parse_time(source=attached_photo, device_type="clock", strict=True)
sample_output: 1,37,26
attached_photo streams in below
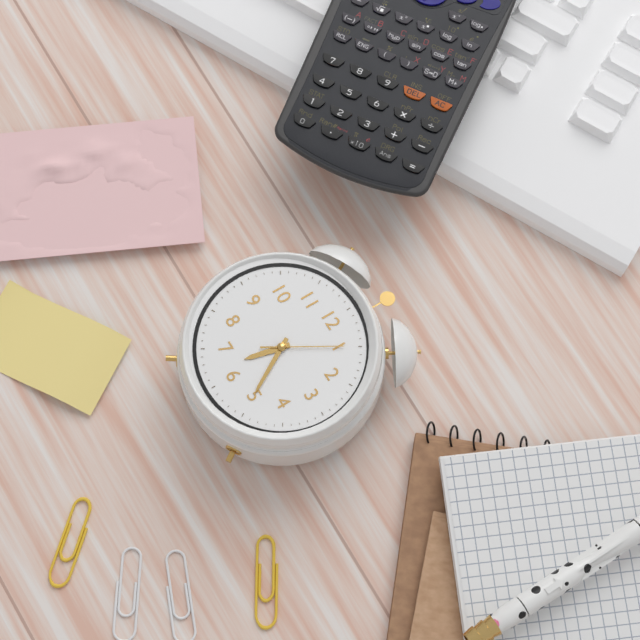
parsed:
6,25,05
